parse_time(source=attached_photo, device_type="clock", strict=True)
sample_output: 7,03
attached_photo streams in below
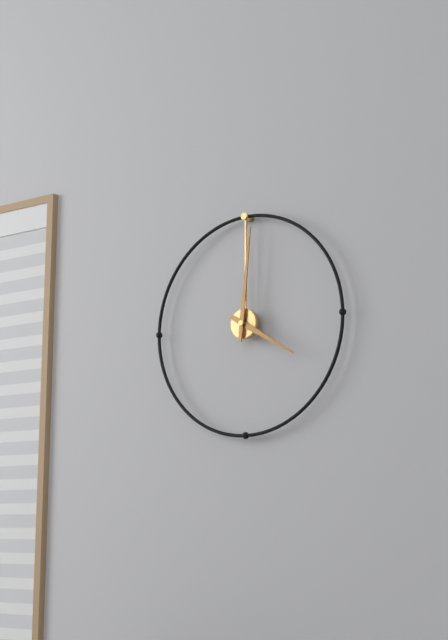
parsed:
4,01
